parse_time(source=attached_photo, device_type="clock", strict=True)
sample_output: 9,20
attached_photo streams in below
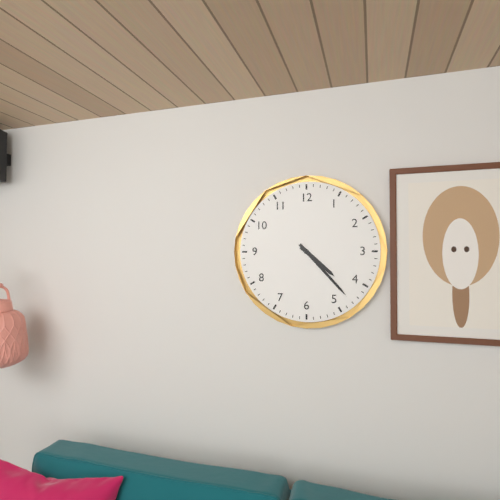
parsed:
4,23
